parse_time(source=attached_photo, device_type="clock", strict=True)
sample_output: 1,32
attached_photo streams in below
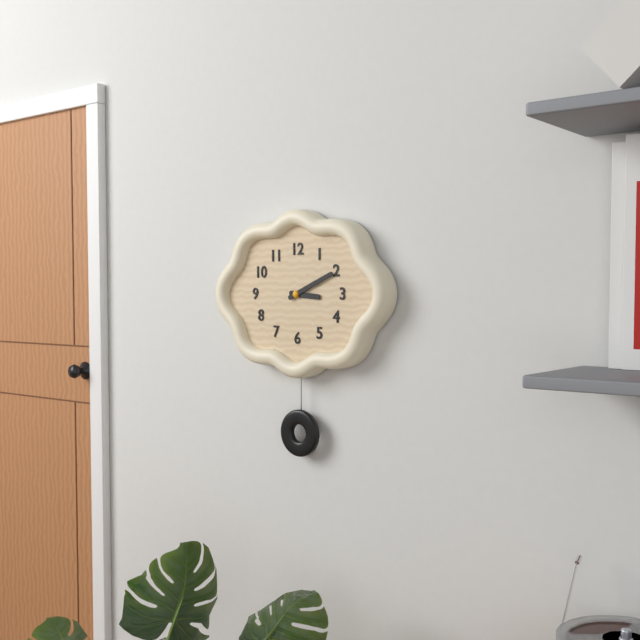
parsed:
3,11
